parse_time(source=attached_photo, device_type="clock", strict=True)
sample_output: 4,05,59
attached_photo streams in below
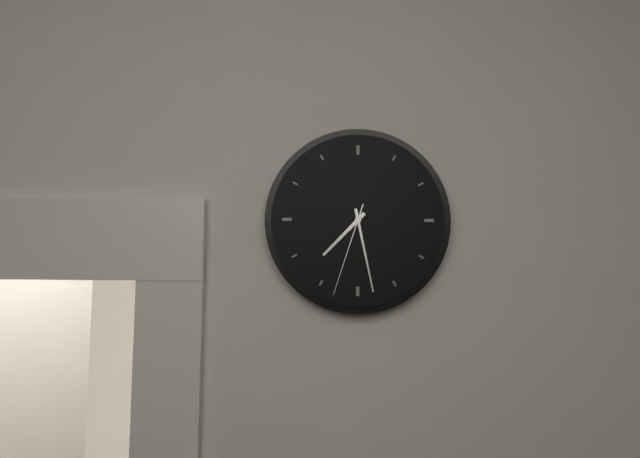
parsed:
7,28,33
